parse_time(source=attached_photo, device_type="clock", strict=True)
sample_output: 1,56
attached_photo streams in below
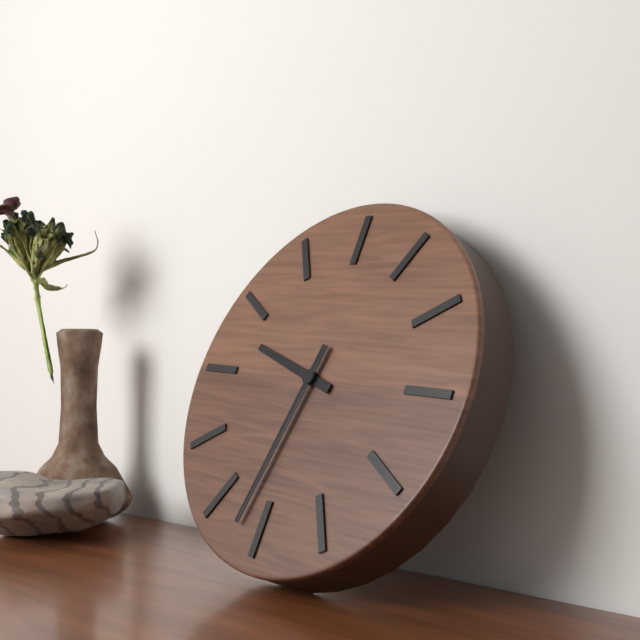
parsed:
9,32
